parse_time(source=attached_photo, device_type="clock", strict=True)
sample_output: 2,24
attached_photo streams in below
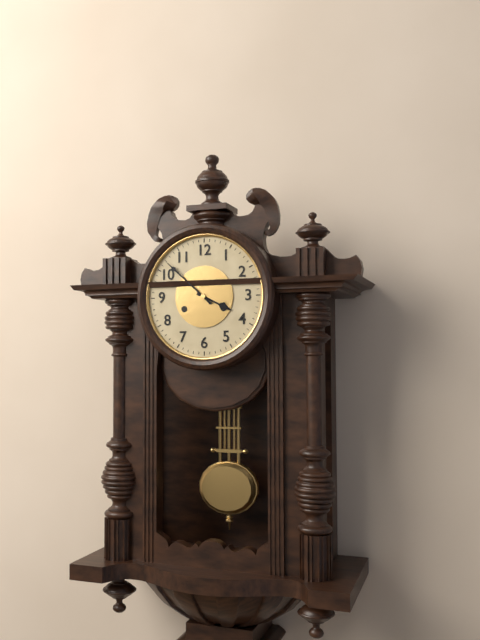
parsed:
3,52
